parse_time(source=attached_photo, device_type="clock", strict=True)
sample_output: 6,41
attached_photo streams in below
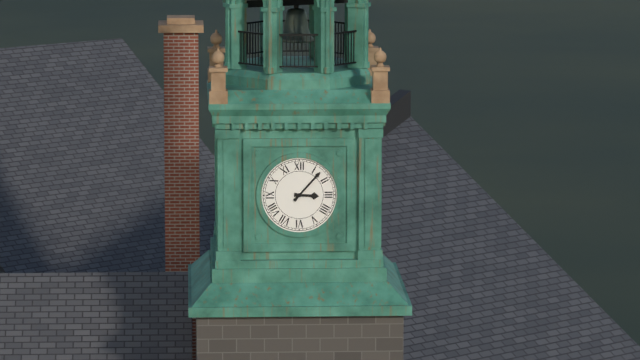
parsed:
3,07
